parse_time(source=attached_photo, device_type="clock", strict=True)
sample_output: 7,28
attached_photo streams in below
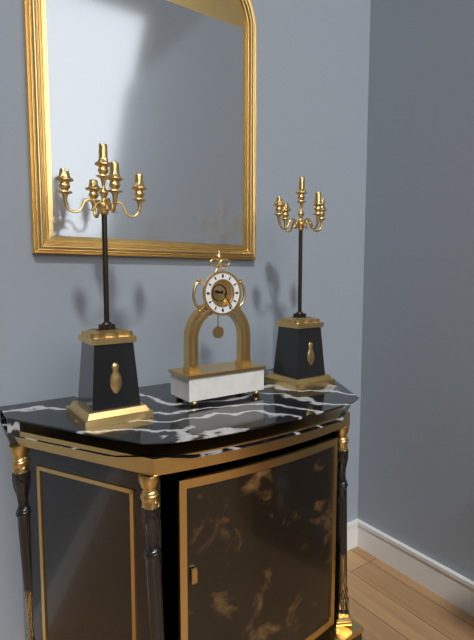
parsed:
9,24
